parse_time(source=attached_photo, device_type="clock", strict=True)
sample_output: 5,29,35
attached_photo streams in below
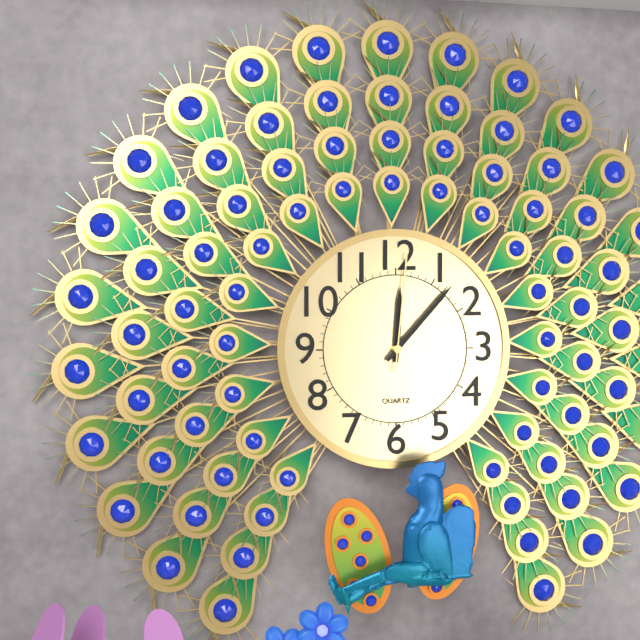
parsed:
12,07,01
